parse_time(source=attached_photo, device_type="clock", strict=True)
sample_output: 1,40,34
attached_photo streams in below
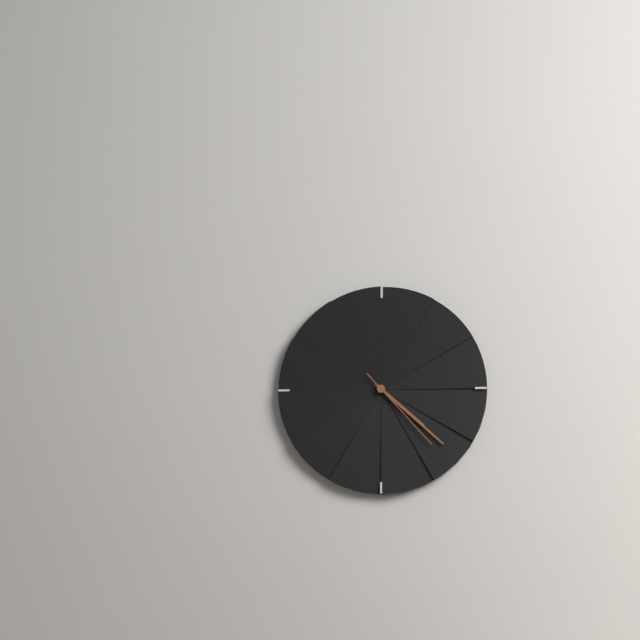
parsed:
4,22,23
